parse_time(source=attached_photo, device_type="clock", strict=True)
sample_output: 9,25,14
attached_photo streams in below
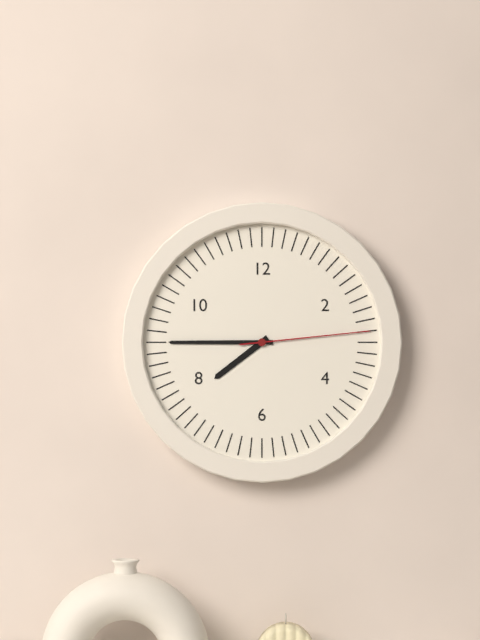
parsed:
7,45,14
